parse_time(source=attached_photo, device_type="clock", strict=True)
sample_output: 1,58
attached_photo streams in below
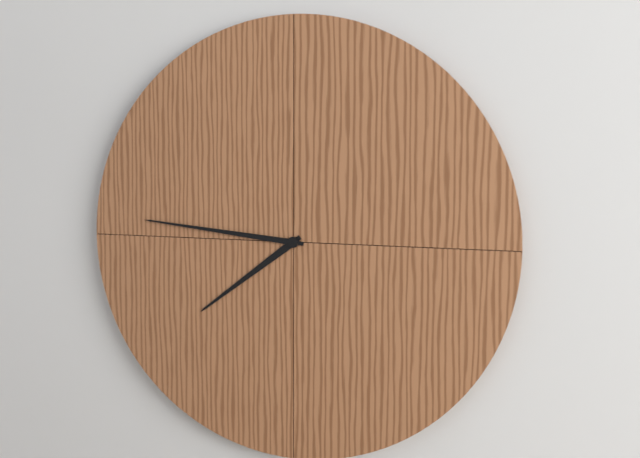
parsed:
7,46
